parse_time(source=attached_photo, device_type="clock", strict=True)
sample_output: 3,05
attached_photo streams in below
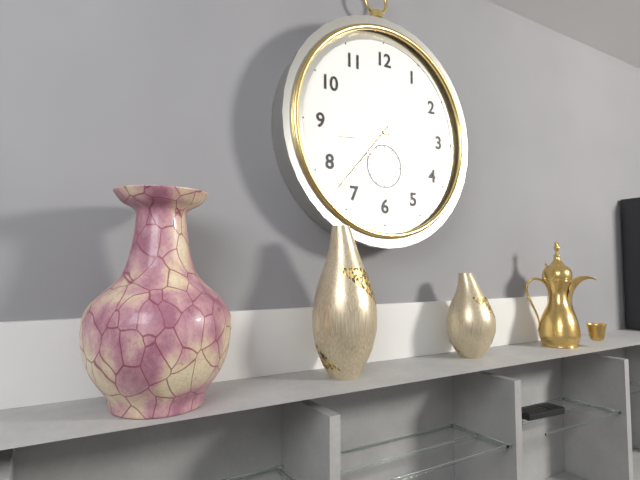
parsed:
8,37
